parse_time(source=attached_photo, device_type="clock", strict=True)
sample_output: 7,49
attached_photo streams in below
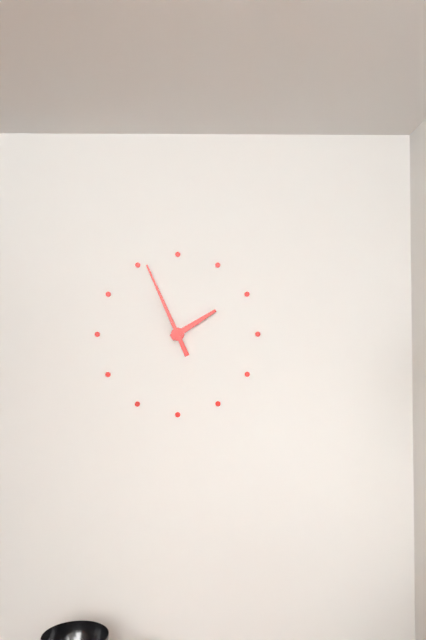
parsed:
1,56
